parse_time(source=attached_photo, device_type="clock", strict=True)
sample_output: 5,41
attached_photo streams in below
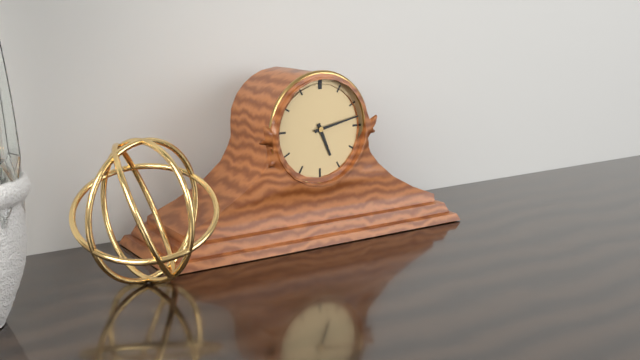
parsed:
5,13
